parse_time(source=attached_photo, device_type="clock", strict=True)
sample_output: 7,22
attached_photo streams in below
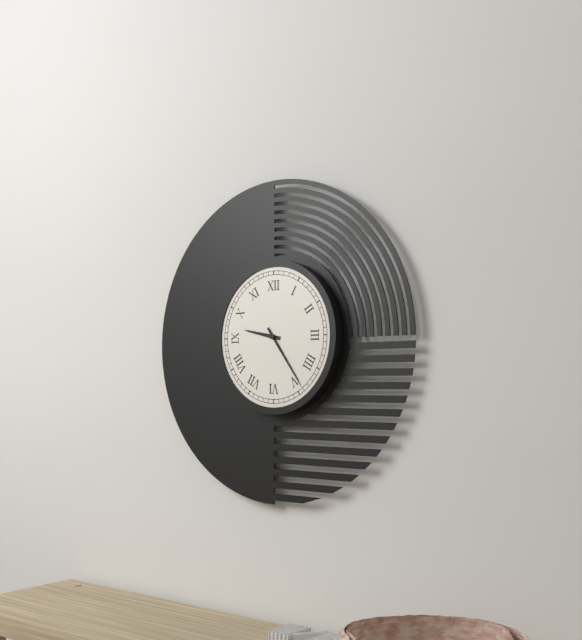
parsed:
9,24
